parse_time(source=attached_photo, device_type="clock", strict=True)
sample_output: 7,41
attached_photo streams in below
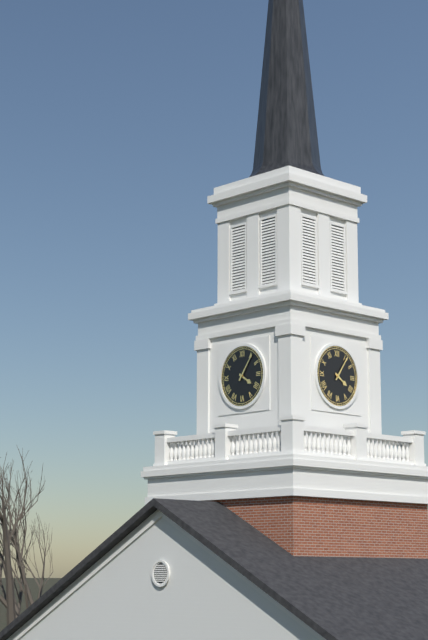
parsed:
4,06
